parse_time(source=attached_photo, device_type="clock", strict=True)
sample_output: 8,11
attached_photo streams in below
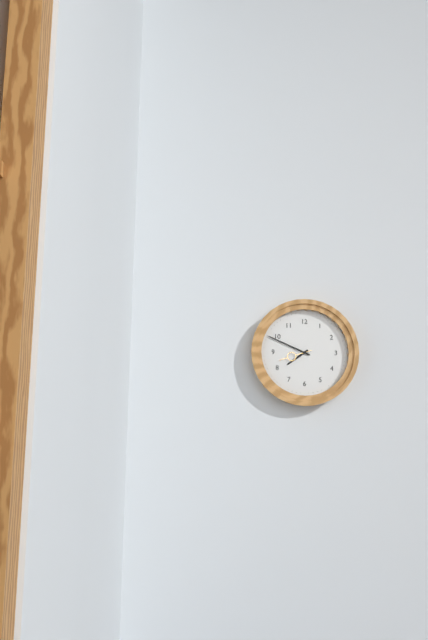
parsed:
7,49
